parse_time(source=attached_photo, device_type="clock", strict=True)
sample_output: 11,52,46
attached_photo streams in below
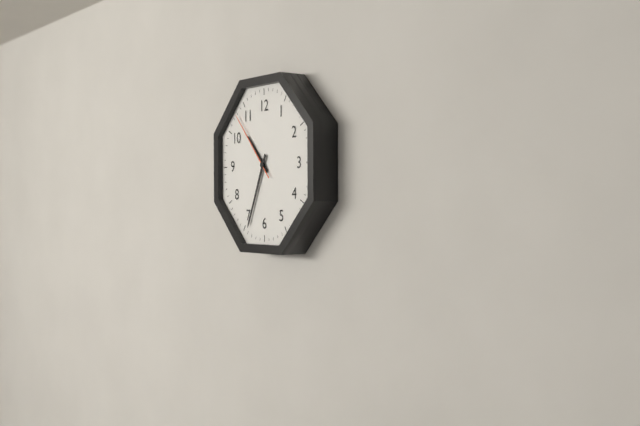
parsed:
10,34,53
